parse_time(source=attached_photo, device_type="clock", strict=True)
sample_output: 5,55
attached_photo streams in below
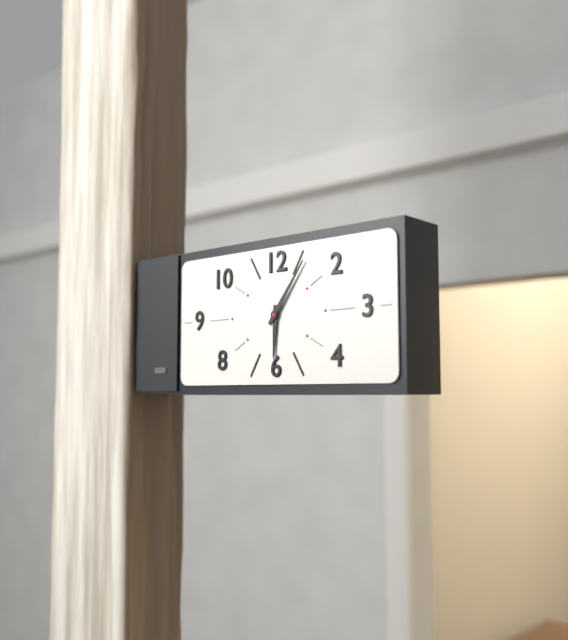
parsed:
6,06
